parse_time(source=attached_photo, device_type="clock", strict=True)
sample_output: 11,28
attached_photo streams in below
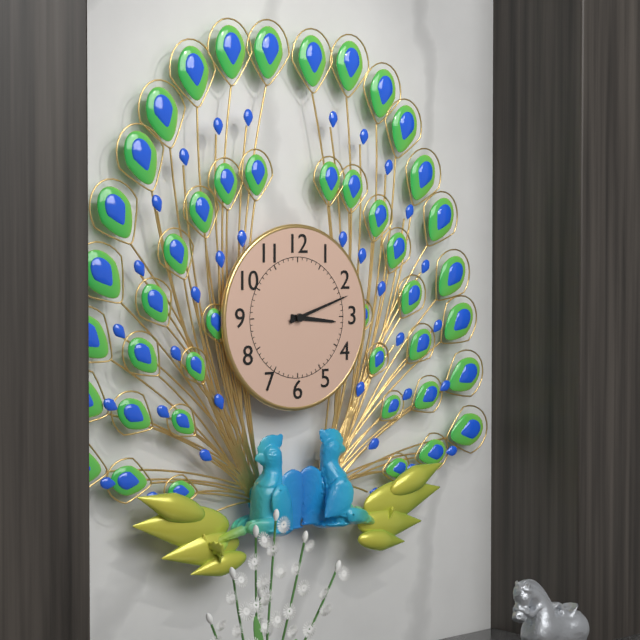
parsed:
3,12
